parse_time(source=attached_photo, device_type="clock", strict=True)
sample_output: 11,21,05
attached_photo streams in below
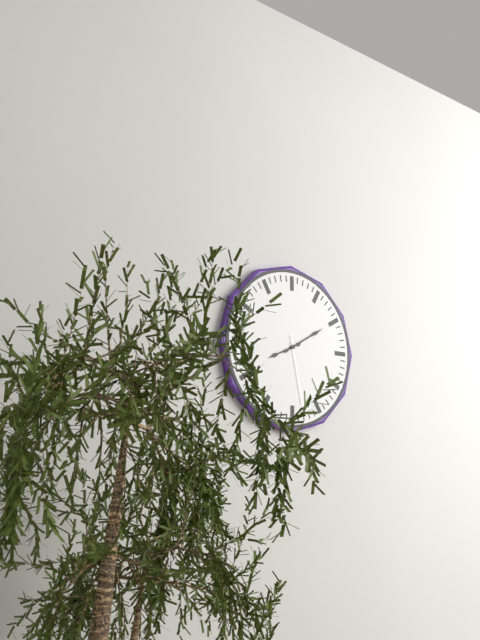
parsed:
8,10,28
